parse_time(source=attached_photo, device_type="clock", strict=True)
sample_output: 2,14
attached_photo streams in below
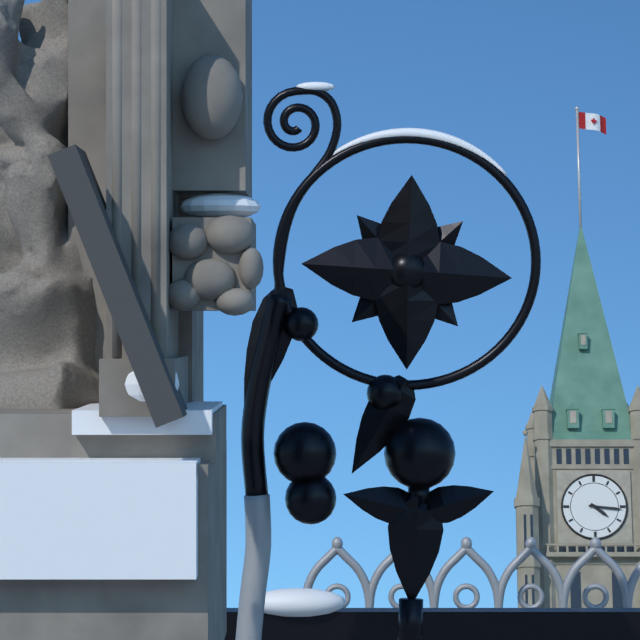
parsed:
4,16
